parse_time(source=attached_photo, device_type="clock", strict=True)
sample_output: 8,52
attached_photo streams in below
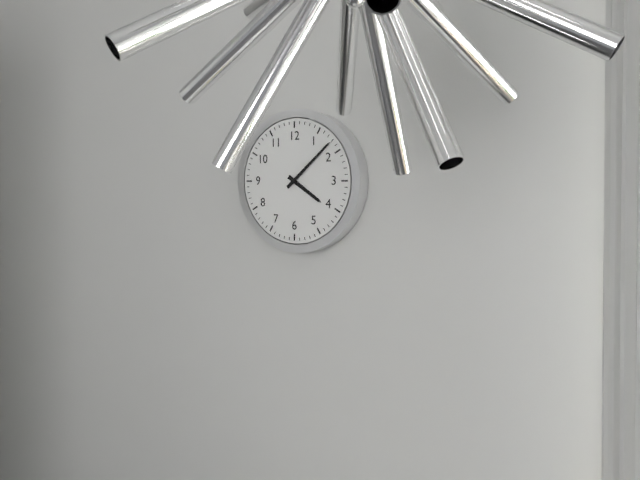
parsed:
4,08
